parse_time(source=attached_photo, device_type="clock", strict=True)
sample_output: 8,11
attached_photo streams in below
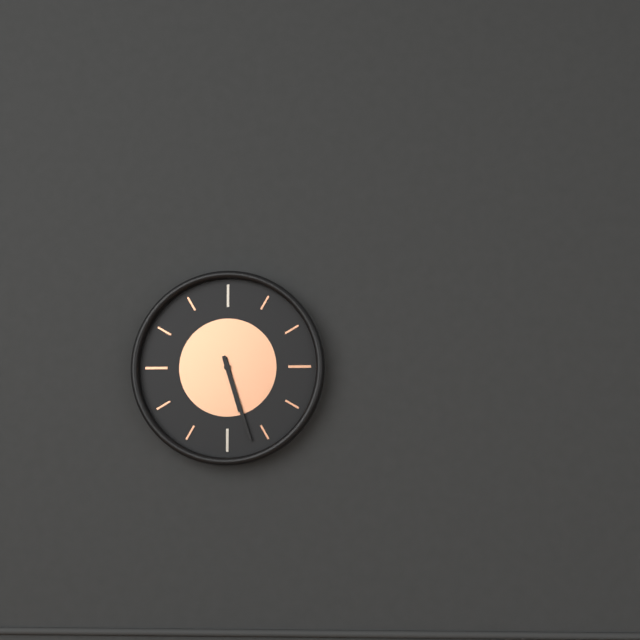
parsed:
5,27
